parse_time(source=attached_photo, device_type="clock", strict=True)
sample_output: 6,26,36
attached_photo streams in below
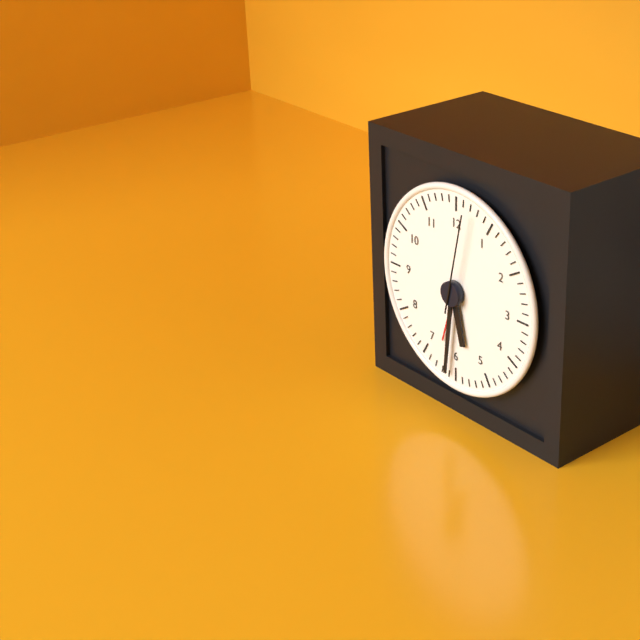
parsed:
5,31,02
